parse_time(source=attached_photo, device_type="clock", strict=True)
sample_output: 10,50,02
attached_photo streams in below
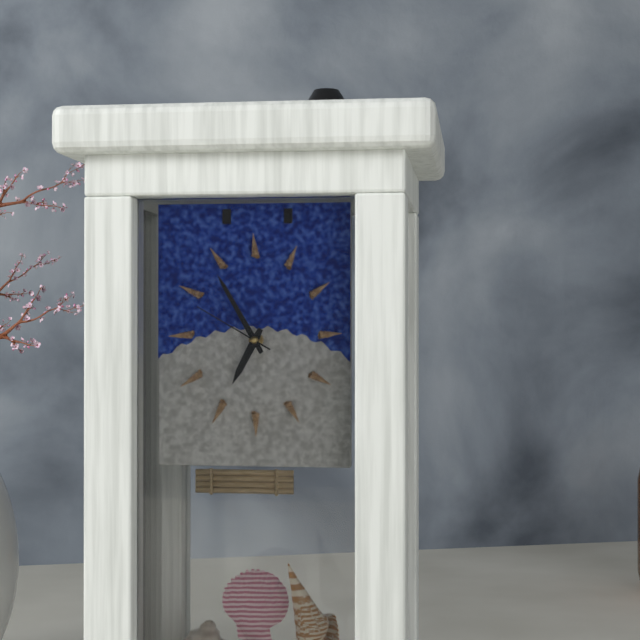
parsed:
6,55,50
